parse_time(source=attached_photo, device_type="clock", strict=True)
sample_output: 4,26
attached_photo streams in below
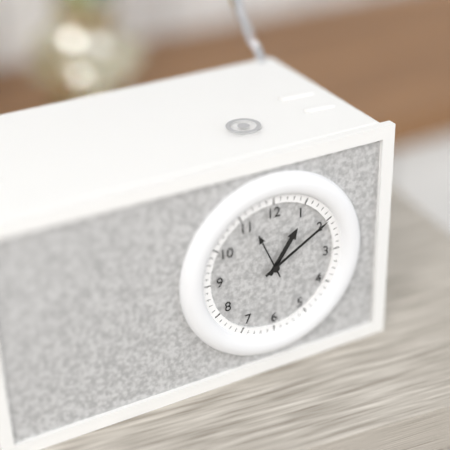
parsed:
1,10
